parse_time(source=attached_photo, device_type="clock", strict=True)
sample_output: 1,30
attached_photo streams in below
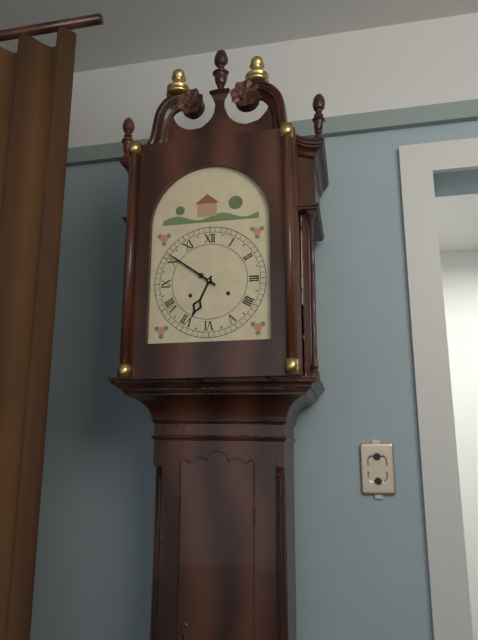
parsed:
6,51
